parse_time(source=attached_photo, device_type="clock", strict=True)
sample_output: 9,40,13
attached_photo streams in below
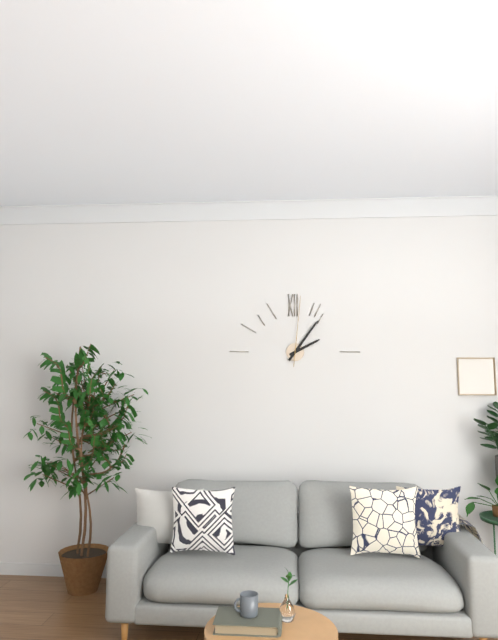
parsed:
2,06,01
